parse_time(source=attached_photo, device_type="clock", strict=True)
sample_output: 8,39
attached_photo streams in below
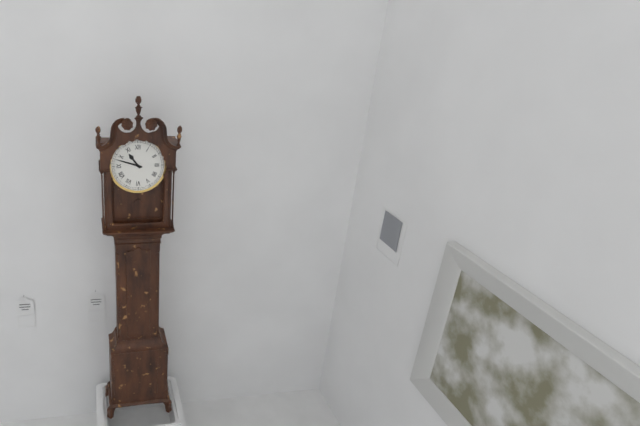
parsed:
10,48
